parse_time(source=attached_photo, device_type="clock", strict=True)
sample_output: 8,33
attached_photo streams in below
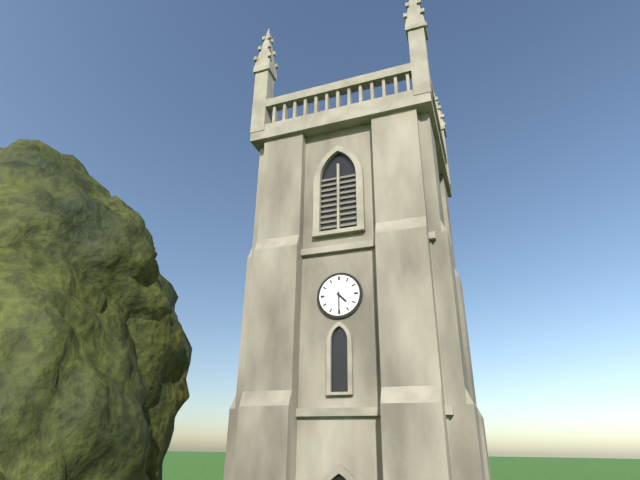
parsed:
4,30
